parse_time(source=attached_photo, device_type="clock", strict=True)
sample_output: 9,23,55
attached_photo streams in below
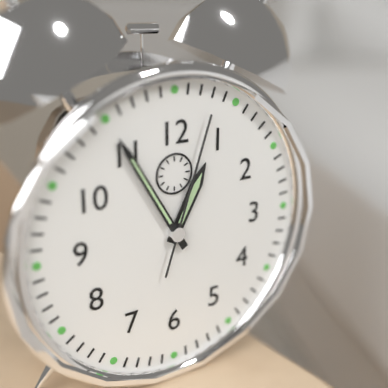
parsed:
12,55,03
